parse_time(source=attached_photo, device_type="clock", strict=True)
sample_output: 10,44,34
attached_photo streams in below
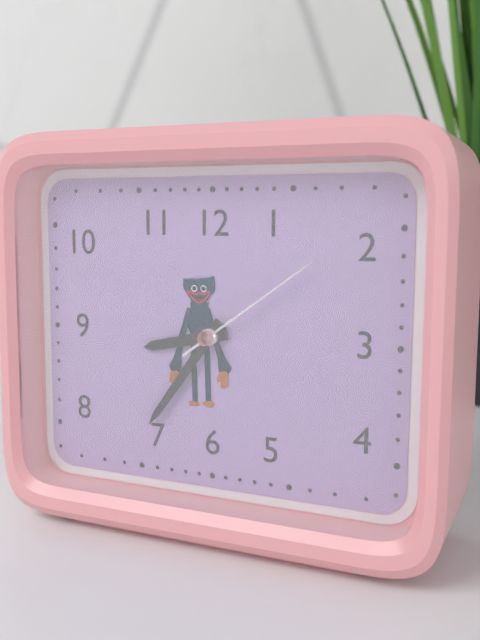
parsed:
8,36,09
